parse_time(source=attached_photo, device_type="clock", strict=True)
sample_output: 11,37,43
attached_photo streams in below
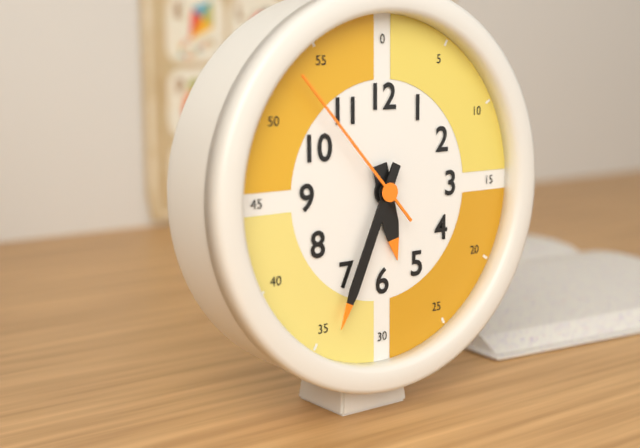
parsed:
5,34,53
